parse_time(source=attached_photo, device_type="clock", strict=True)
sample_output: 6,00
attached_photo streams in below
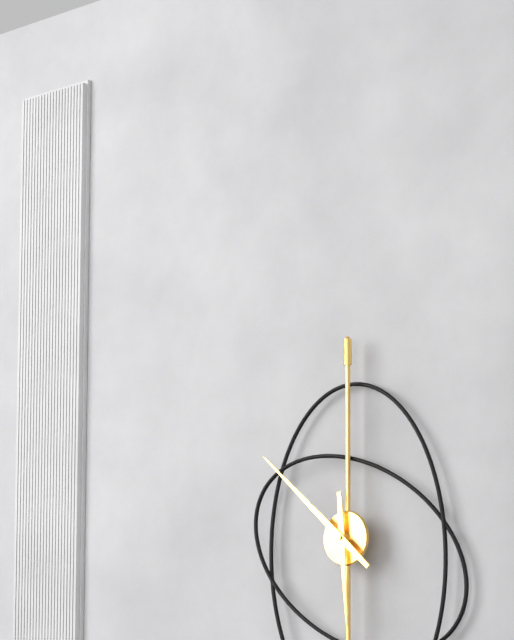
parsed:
5,52
